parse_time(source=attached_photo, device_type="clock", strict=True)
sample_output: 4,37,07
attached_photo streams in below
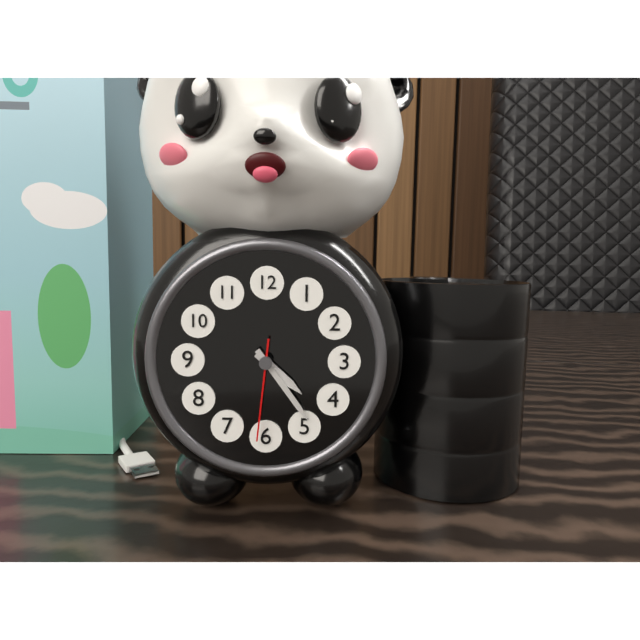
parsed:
4,24,31
